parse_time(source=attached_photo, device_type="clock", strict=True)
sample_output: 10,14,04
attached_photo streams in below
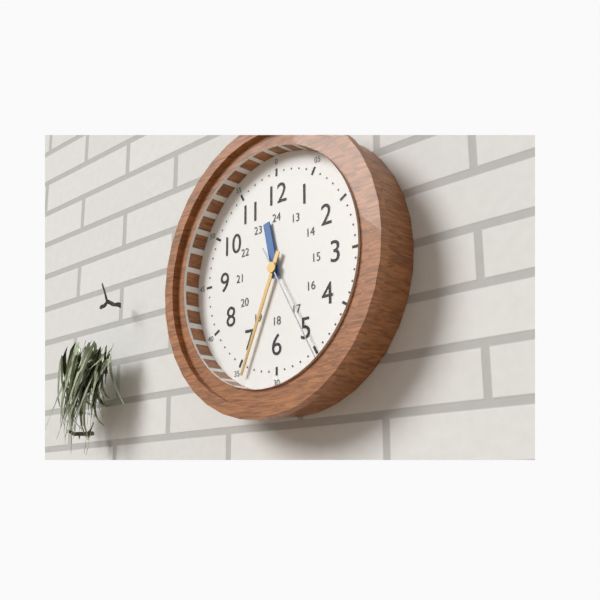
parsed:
11,34,25
